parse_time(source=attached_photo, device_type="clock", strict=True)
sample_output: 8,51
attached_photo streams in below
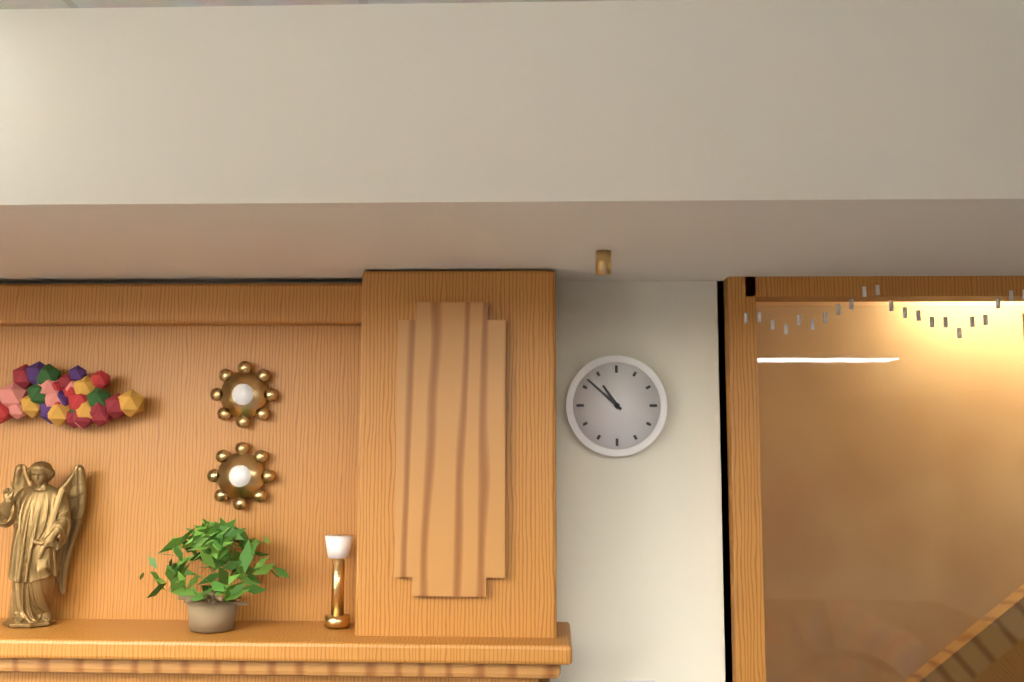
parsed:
10,52
